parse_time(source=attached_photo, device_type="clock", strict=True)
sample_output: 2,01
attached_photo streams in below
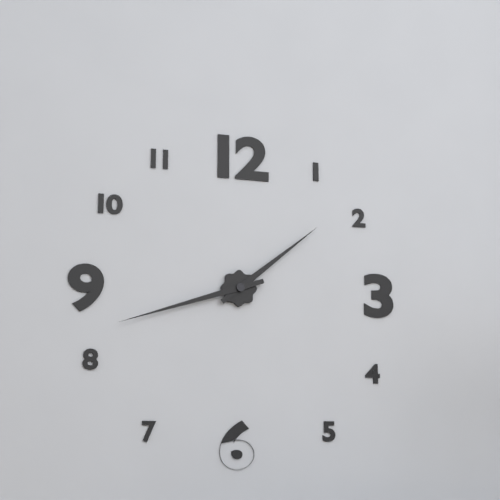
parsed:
1,42
